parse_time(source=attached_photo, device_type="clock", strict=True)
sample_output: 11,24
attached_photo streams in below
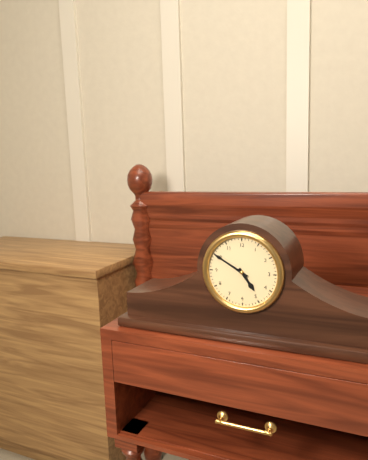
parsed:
4,50
